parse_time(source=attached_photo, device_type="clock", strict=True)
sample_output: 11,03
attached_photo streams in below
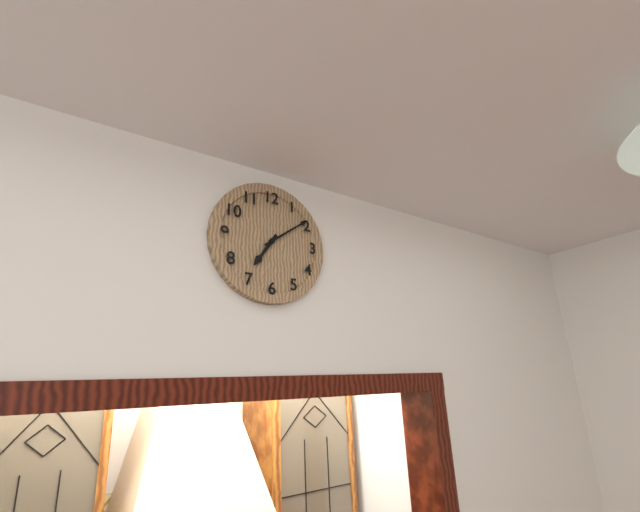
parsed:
7,09
